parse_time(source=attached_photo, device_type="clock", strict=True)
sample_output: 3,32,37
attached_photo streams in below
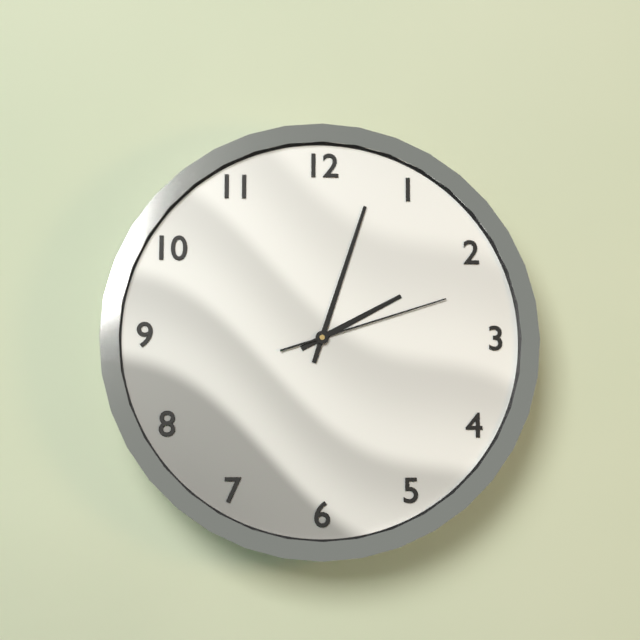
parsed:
2,03,12
